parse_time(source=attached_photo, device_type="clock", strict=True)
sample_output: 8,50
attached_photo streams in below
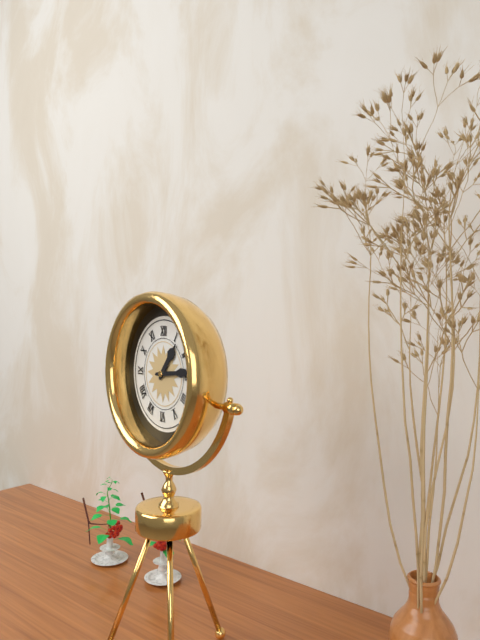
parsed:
1,14
